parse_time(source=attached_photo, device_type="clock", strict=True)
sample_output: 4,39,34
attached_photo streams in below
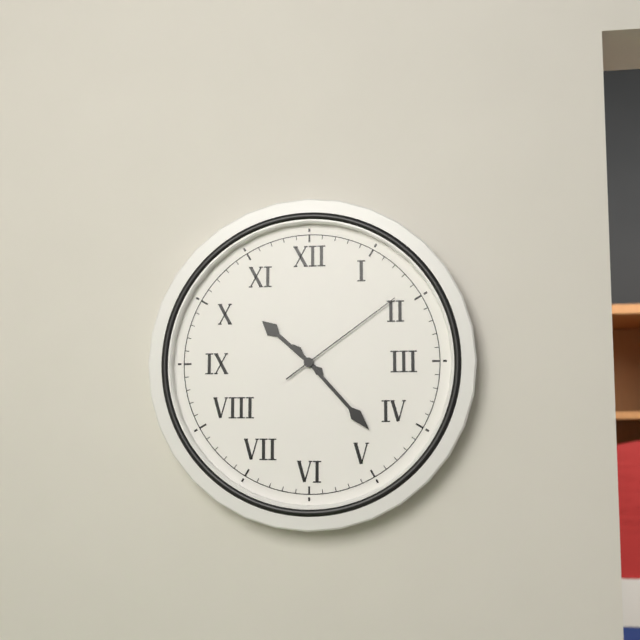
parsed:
10,23,09
